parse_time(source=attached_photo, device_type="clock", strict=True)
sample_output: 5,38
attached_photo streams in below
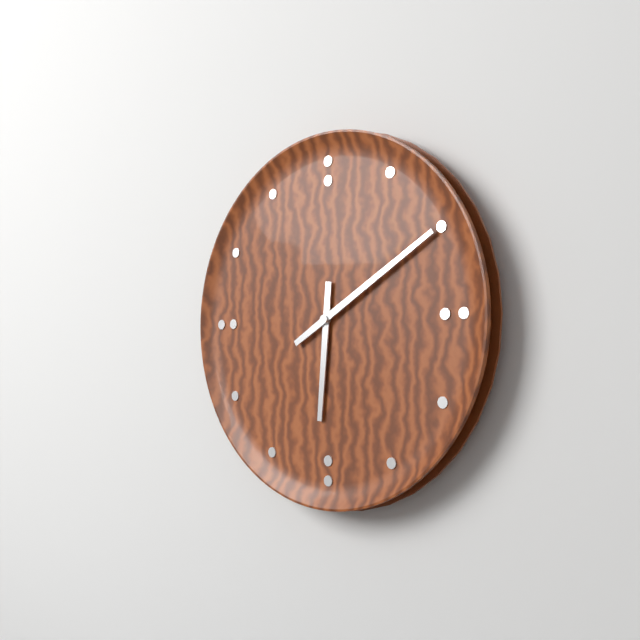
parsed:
6,10
